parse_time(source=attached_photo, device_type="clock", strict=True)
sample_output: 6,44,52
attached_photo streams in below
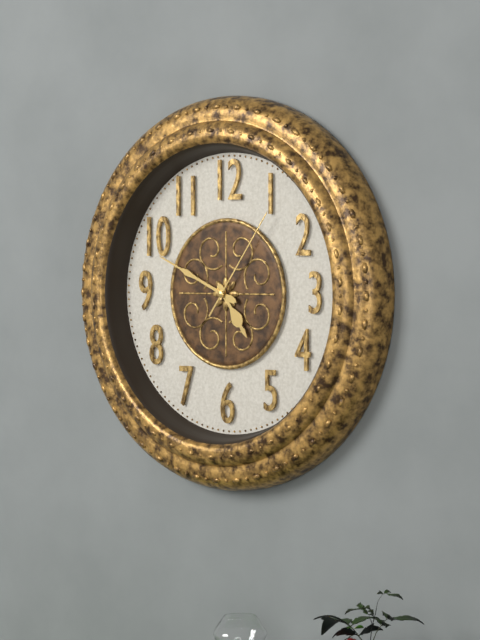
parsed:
4,49,06
